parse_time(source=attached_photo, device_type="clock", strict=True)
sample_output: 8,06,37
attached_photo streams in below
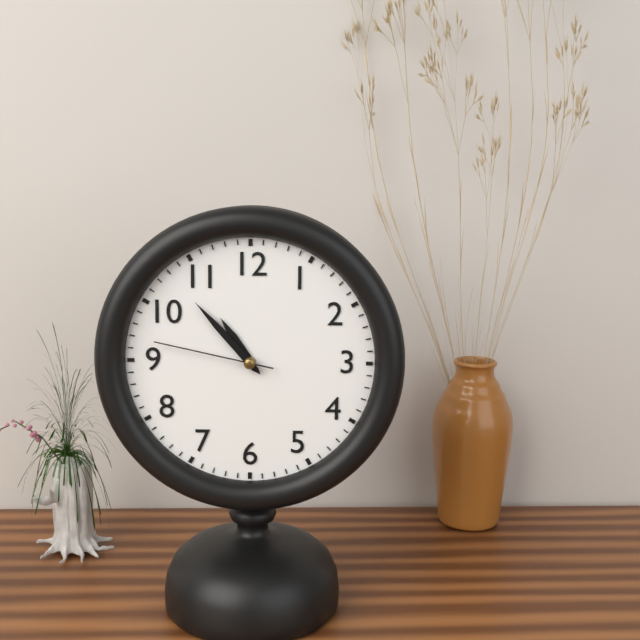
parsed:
10,53,47
